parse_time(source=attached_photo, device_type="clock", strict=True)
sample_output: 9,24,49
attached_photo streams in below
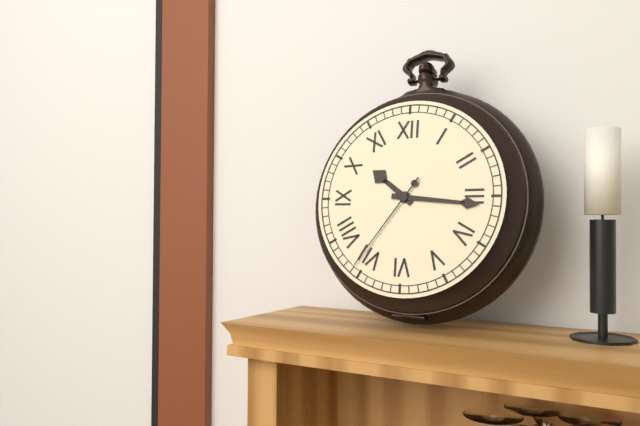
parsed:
10,16,36
